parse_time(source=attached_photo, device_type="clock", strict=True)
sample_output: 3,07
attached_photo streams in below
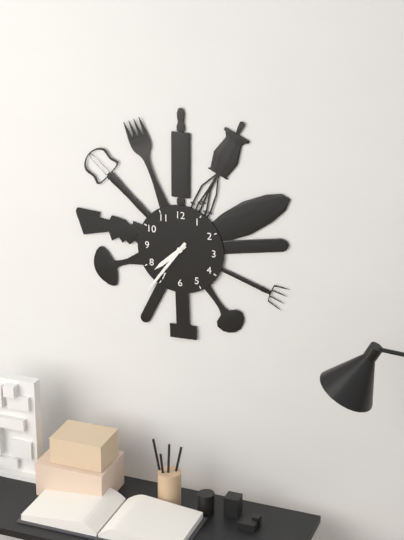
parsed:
7,36
